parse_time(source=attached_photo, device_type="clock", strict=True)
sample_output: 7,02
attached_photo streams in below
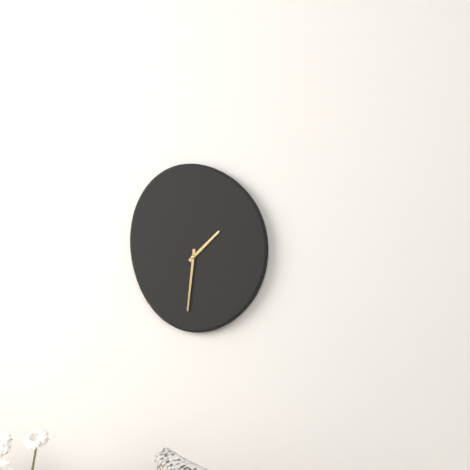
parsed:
1,31
